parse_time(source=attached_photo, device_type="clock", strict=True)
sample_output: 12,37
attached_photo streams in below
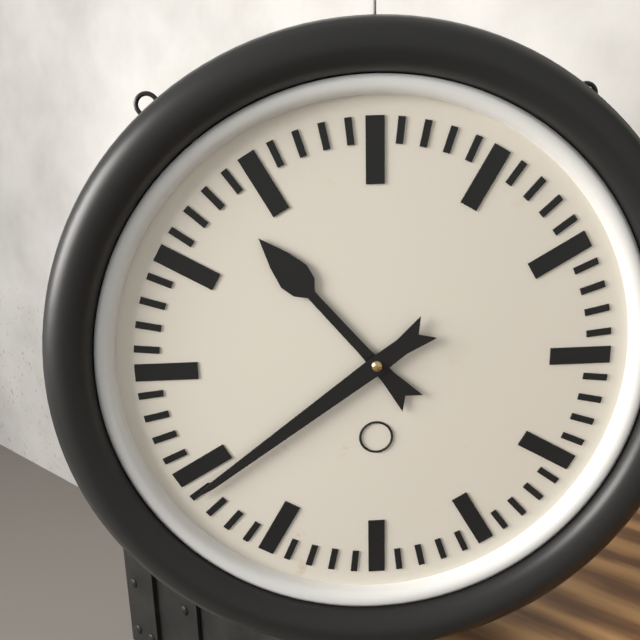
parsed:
10,39
